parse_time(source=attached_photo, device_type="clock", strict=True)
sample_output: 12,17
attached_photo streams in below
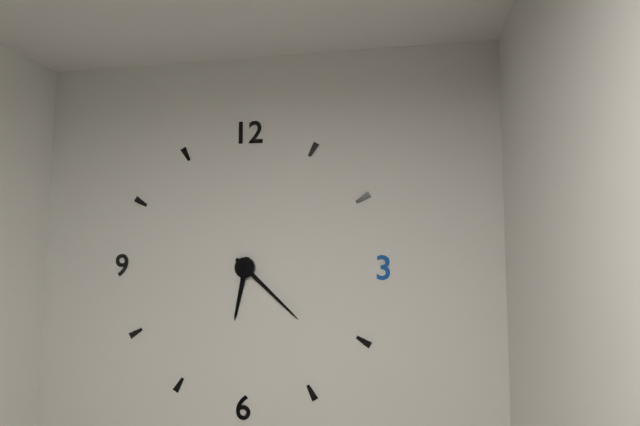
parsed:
6,22
